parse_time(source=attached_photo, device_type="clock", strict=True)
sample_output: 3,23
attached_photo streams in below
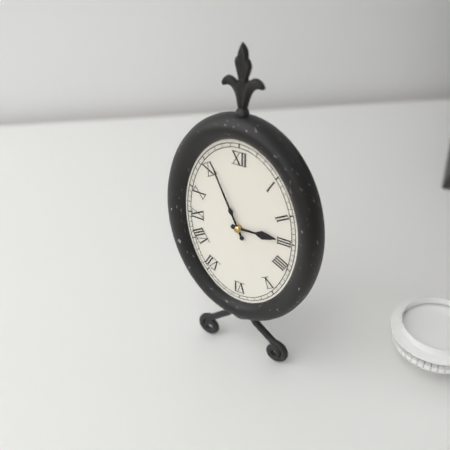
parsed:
2,56
